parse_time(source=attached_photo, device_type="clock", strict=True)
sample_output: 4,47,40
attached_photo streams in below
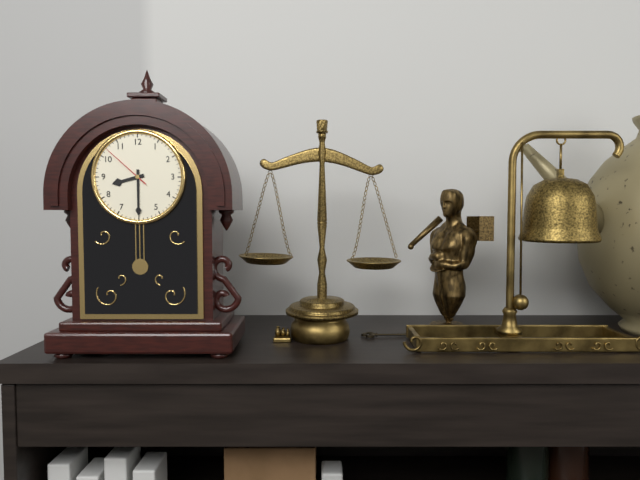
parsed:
8,30,52
